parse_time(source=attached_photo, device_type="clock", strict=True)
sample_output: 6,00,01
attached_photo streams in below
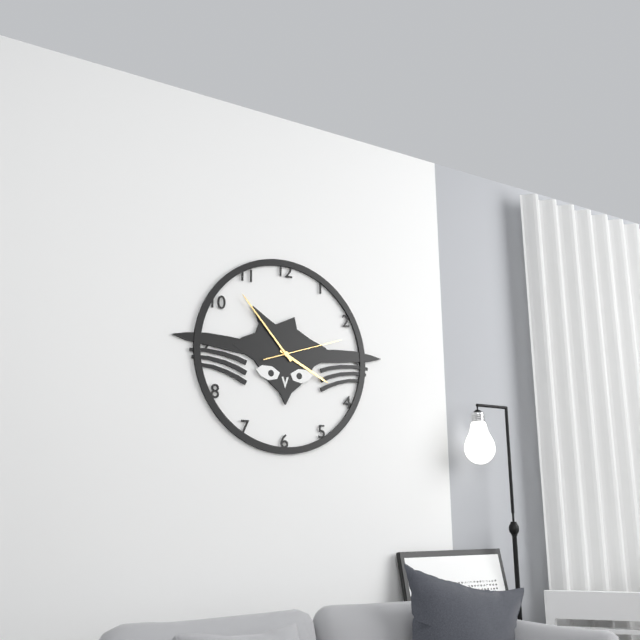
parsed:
3,53,12
